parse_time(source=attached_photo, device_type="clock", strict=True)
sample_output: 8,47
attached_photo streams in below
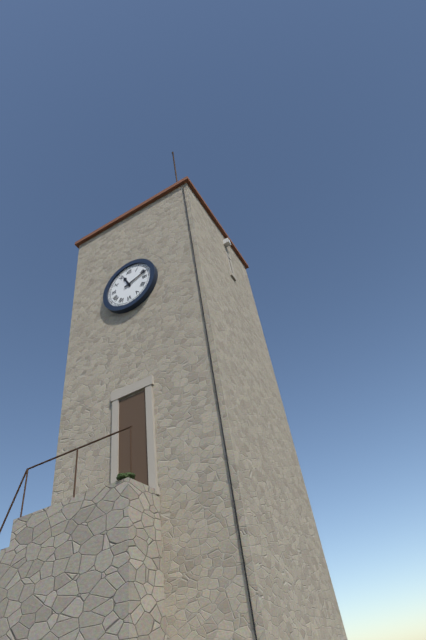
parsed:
11,12
